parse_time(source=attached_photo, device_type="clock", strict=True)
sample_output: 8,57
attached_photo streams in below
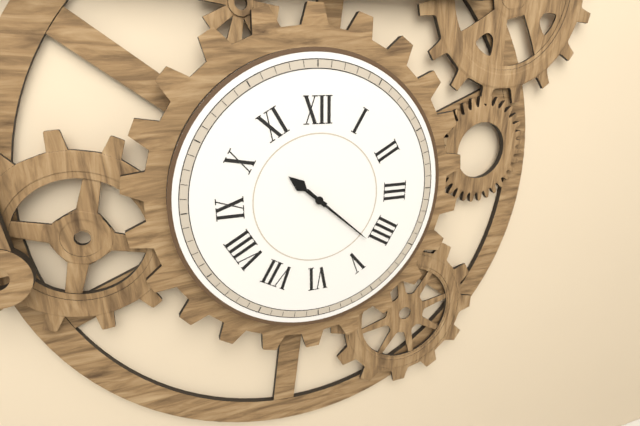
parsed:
10,22
